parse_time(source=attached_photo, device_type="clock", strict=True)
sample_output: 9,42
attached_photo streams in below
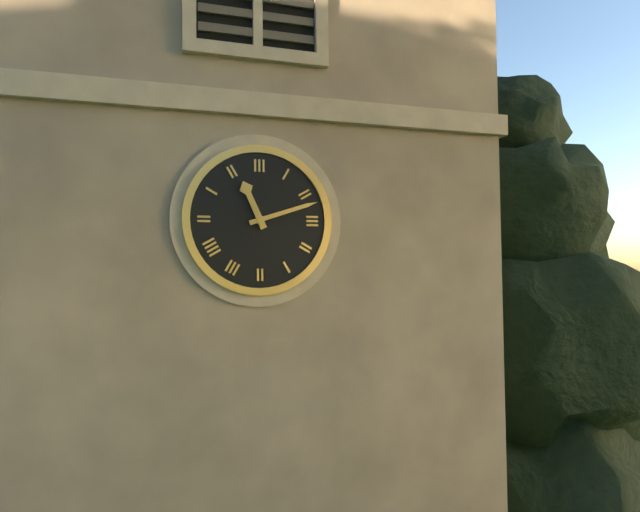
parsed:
11,12
